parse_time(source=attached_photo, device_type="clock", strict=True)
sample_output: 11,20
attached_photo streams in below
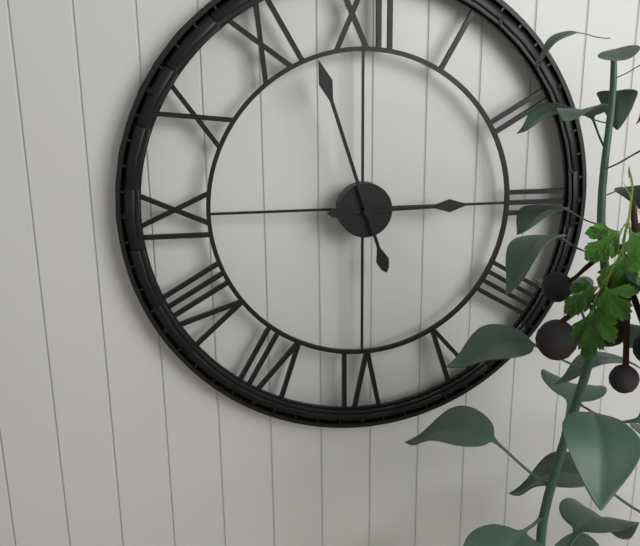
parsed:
2,57
